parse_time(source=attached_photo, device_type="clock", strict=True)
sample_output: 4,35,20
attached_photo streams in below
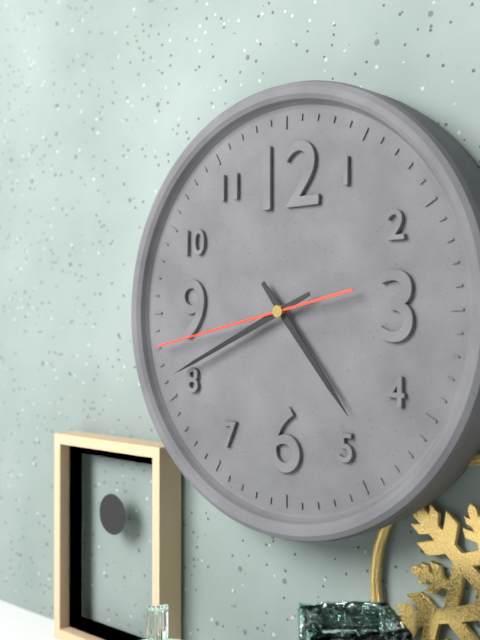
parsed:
4,41,43
